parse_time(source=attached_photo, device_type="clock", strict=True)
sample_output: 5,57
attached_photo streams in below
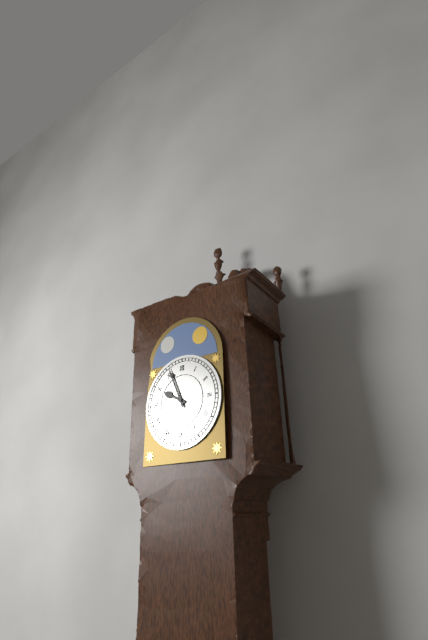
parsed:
9,56
